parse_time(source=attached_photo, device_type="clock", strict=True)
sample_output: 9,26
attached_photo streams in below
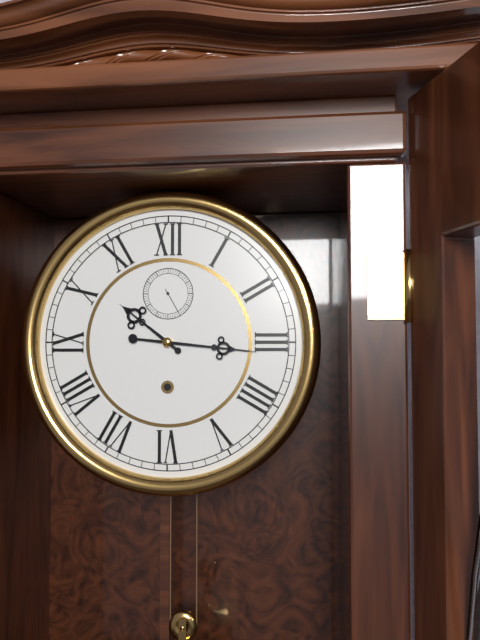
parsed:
10,16
